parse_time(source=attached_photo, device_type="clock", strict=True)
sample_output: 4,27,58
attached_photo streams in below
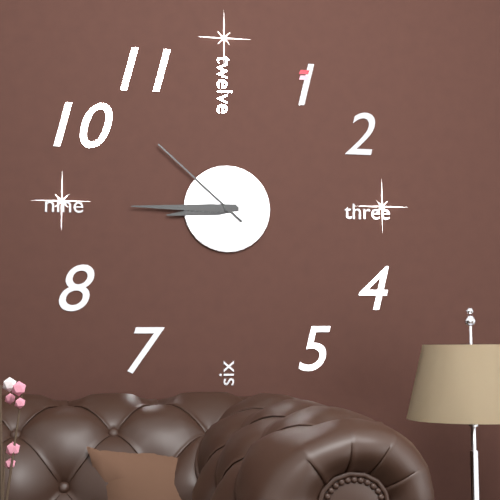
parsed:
8,45,52
